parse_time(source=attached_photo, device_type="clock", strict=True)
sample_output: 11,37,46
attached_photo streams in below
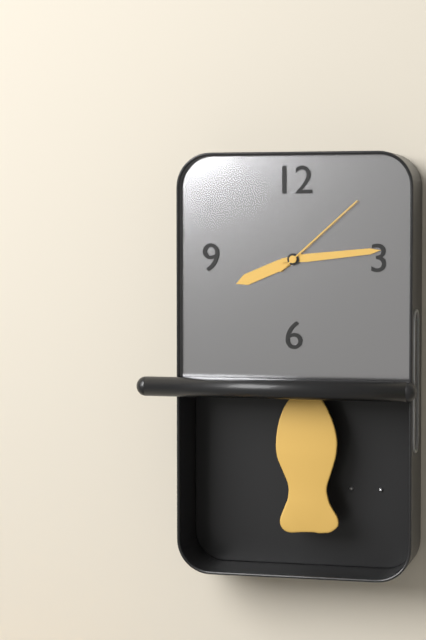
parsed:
8,14,08
